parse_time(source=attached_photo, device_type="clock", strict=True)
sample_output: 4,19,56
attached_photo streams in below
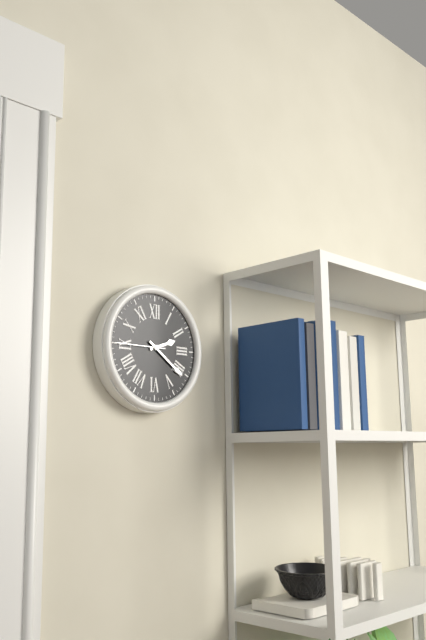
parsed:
2,21,45
